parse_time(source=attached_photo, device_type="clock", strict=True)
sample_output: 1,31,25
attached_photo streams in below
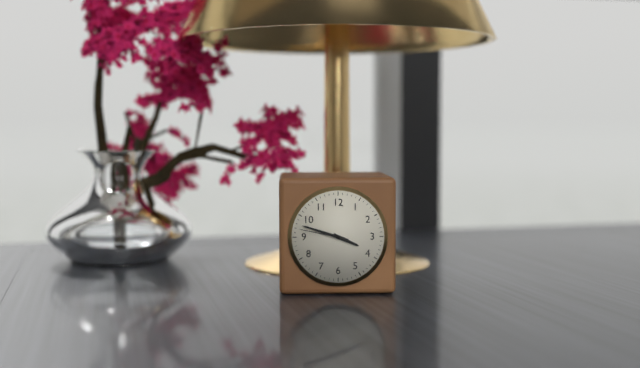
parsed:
3,48,47
